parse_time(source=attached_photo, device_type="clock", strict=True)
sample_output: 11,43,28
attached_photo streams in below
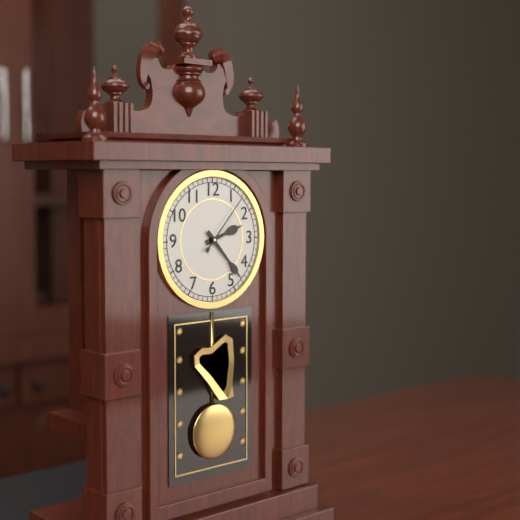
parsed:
2,23,07
